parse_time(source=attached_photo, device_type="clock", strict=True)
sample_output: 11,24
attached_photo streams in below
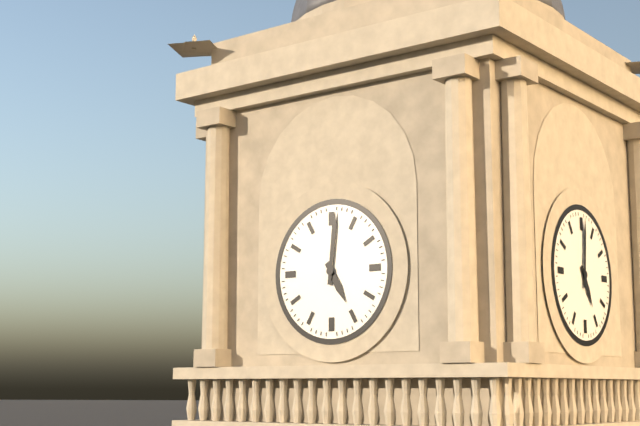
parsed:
5,01
